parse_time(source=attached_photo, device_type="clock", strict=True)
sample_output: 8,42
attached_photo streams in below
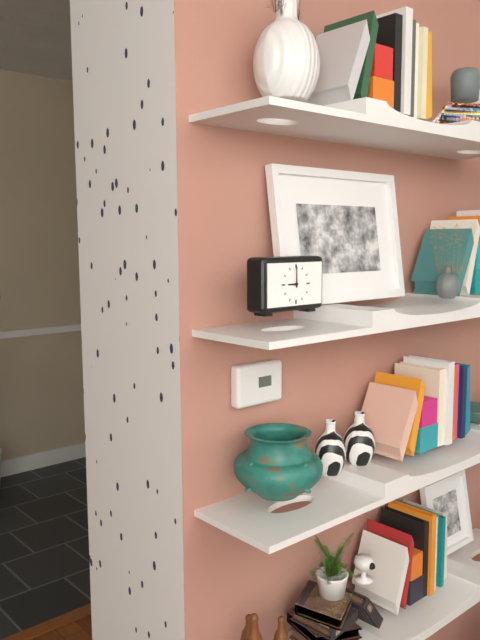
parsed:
9,00
